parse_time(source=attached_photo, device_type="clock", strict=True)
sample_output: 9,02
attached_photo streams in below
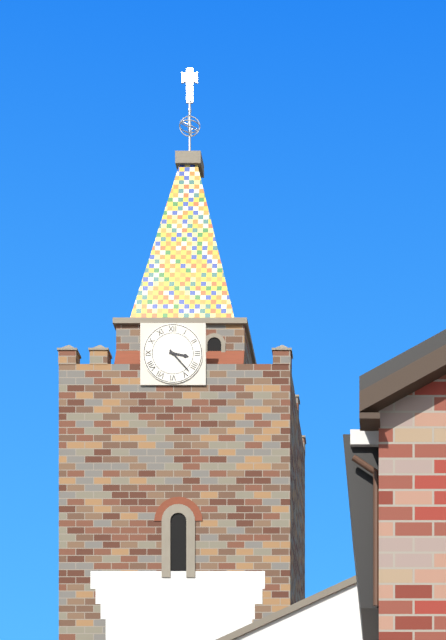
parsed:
3,23
